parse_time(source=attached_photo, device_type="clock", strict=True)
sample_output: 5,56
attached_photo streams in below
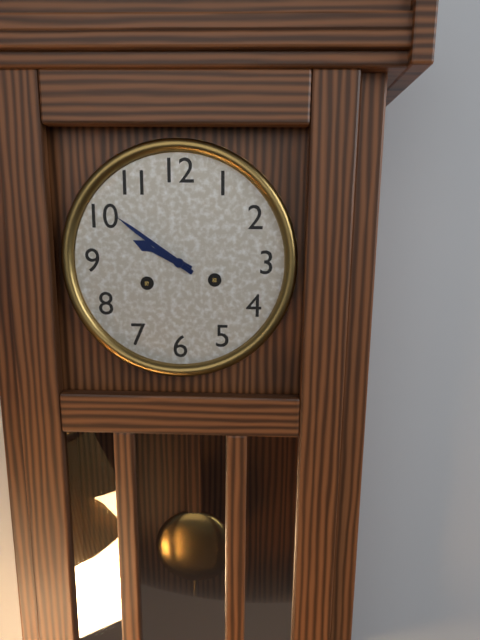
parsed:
9,51
